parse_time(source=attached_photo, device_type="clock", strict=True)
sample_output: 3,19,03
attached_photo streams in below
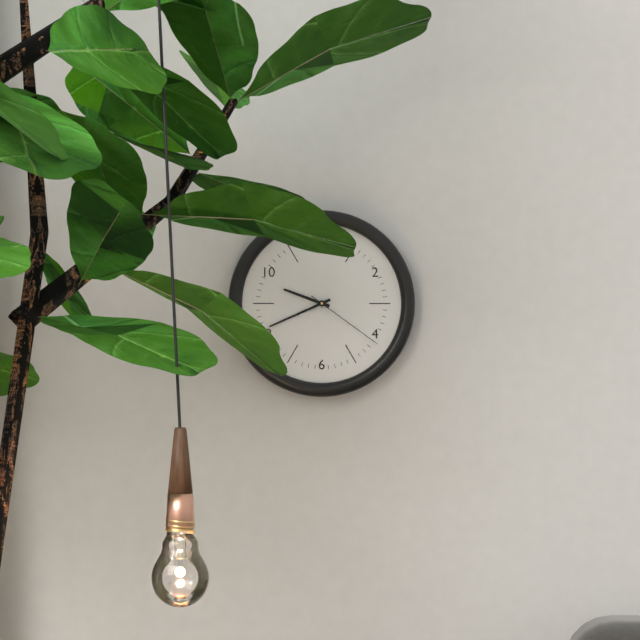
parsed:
9,41,21
